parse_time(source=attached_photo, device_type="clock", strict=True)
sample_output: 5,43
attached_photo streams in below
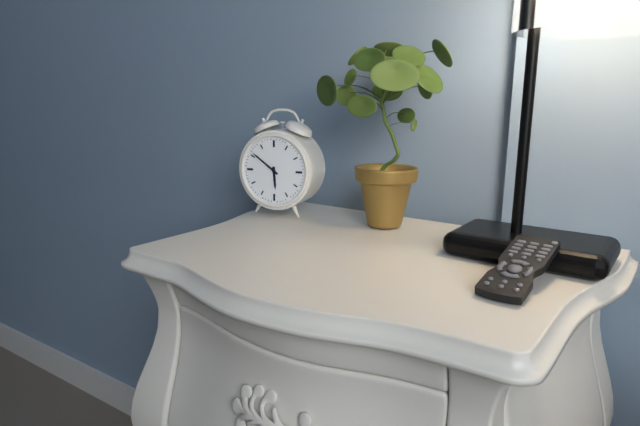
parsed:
5,51
